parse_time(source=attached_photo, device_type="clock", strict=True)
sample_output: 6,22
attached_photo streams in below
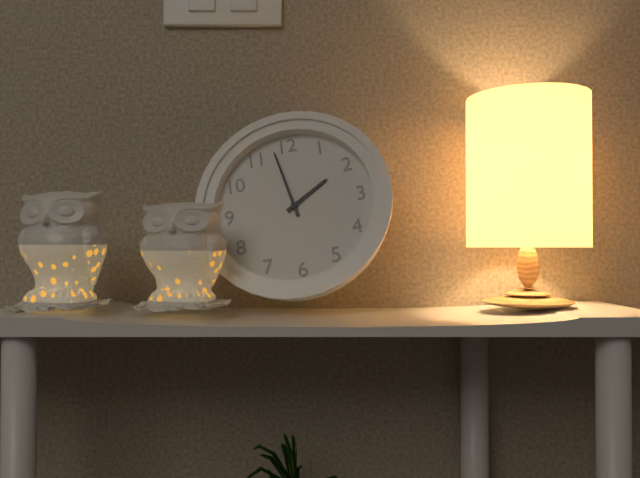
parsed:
1,58
